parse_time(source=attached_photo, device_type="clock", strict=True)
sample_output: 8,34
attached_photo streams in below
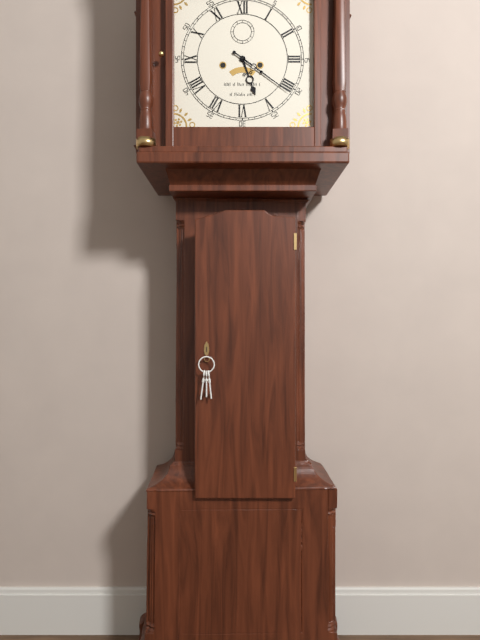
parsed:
5,21
